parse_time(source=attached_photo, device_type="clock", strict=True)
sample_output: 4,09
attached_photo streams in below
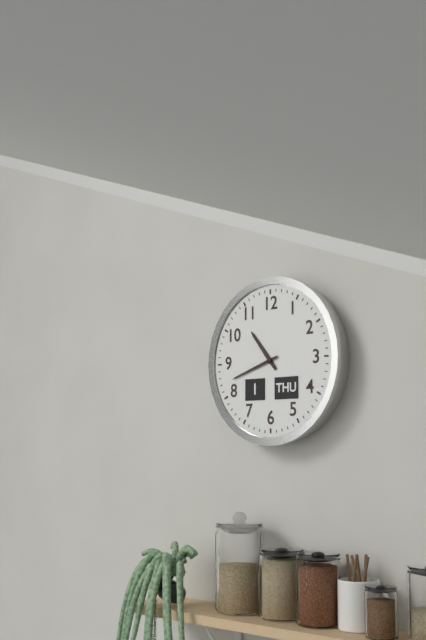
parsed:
10,42
